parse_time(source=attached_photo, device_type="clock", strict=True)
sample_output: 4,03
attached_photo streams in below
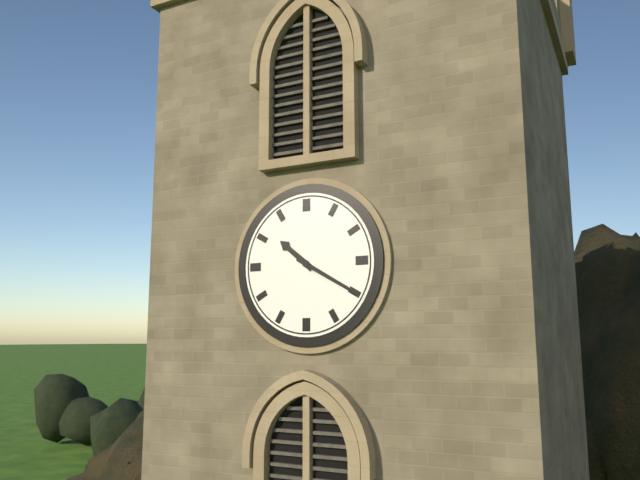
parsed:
10,20
